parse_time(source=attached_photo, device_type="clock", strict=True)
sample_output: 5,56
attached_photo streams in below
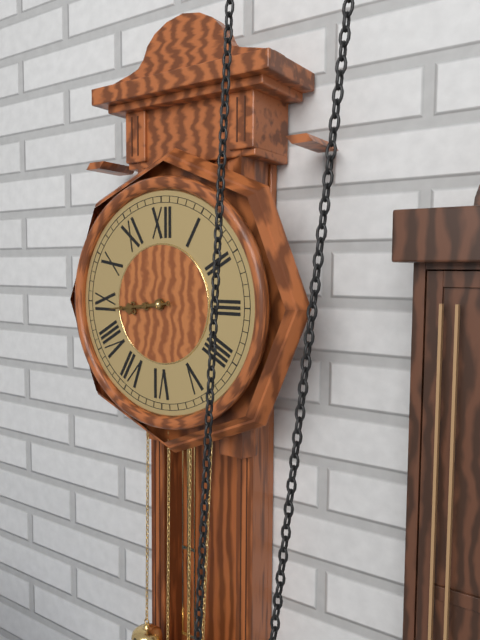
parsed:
8,44
